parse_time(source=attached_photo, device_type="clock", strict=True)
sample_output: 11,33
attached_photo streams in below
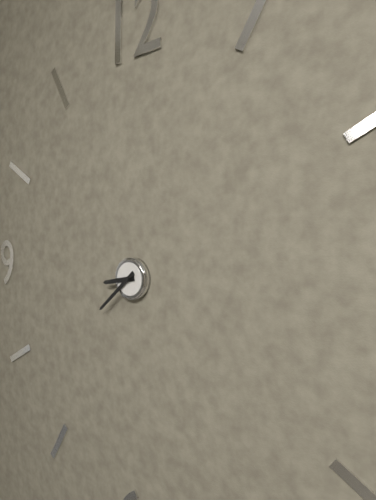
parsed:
8,38
